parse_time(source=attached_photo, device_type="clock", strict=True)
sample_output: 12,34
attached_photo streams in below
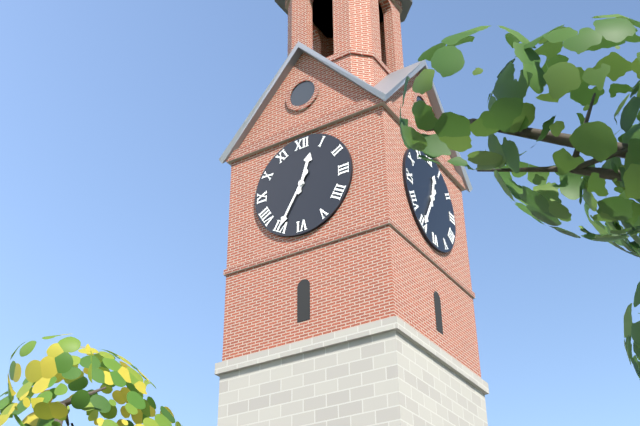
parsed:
12,35
